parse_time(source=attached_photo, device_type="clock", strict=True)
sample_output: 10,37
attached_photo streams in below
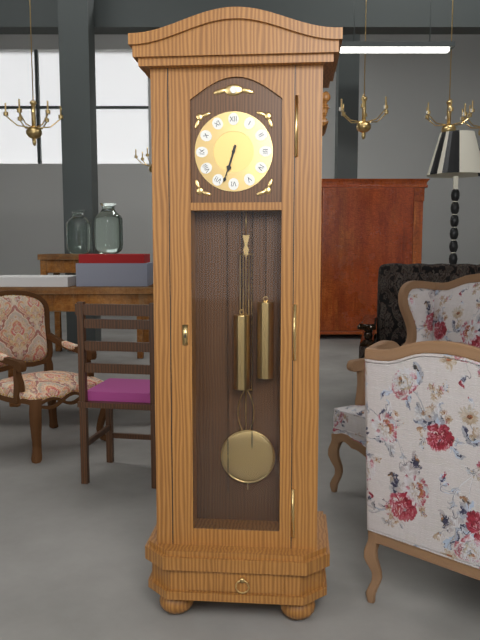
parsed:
6,33
